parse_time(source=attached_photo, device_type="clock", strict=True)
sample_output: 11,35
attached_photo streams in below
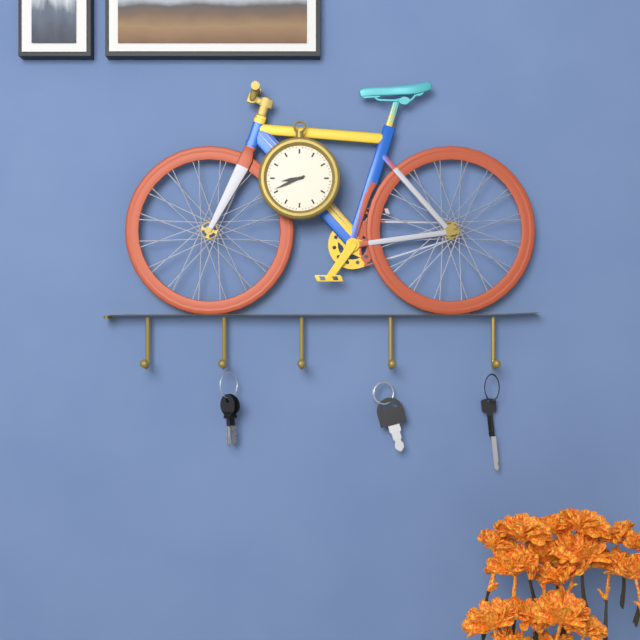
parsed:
8,41
